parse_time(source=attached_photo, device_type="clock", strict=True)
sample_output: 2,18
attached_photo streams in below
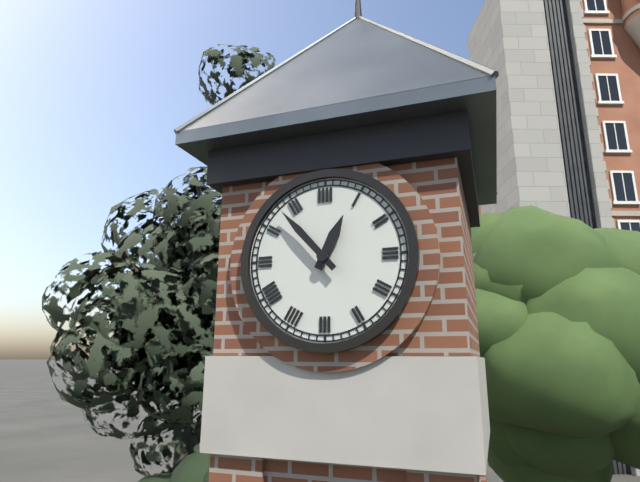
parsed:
12,53
